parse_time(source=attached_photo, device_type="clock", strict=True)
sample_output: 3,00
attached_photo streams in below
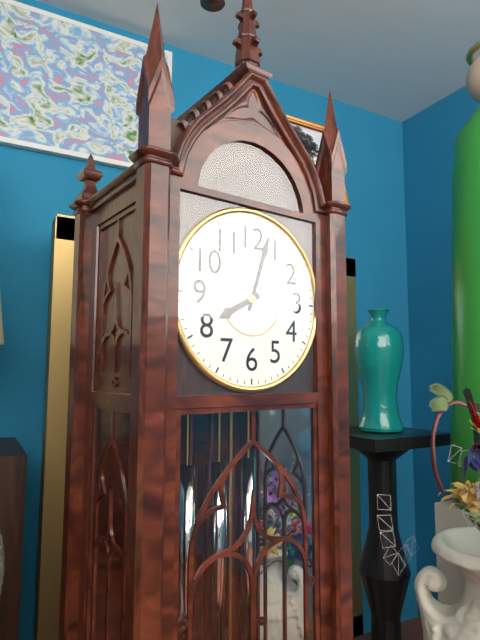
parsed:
8,03
